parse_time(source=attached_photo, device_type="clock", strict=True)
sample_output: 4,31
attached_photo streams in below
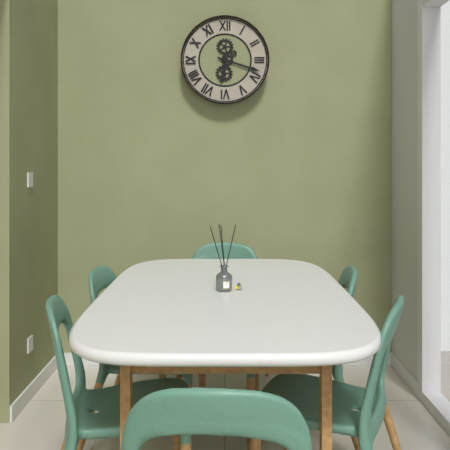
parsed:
6,18
